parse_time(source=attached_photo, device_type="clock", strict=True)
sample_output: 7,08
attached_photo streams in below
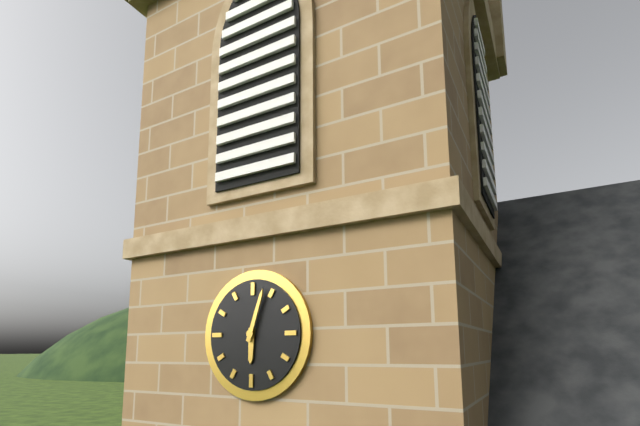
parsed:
6,03
